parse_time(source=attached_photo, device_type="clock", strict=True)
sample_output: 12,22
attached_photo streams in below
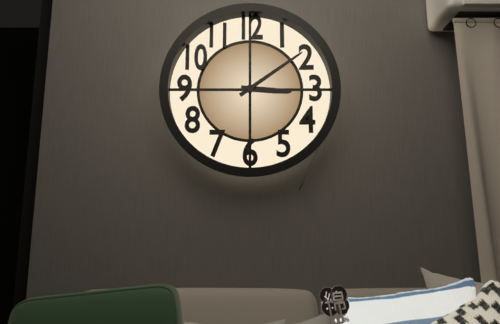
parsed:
3,09
